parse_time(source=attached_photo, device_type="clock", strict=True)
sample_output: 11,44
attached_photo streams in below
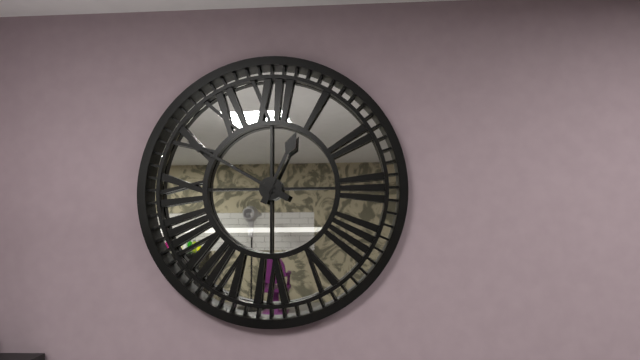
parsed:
12,50
